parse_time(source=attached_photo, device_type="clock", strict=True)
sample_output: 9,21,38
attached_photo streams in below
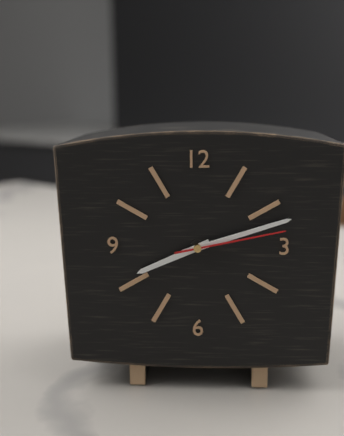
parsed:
8,12,13
